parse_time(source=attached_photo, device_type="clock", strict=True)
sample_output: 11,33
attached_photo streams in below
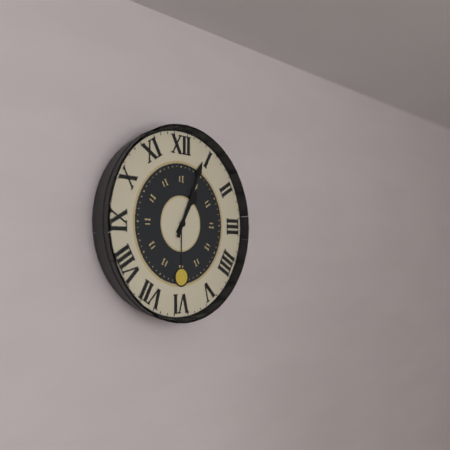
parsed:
1,04
